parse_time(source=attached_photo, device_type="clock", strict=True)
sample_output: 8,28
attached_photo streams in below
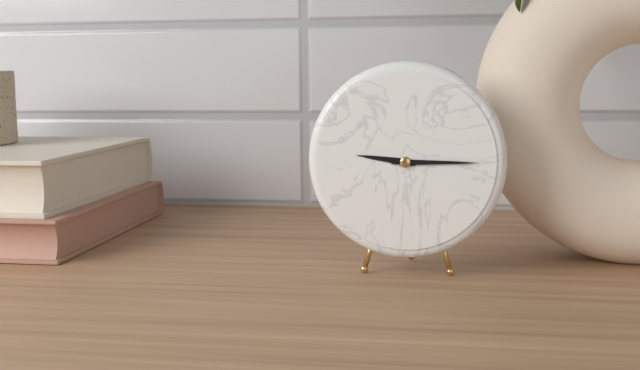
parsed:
9,15
